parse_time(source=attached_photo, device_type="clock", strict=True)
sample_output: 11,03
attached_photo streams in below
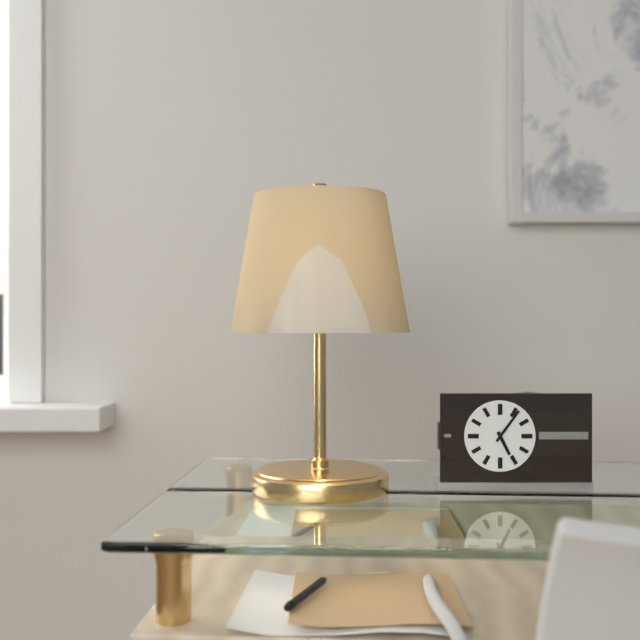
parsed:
5,06
